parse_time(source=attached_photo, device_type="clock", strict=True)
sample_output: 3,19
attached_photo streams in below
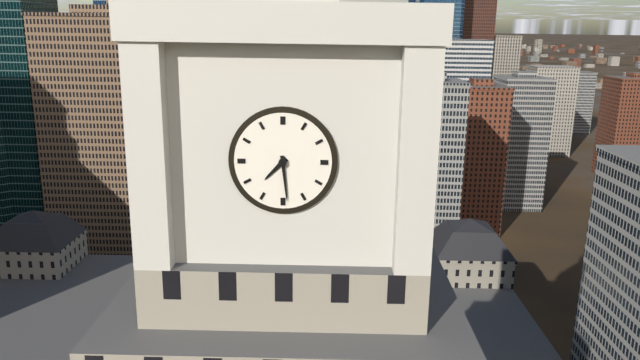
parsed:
7,29
